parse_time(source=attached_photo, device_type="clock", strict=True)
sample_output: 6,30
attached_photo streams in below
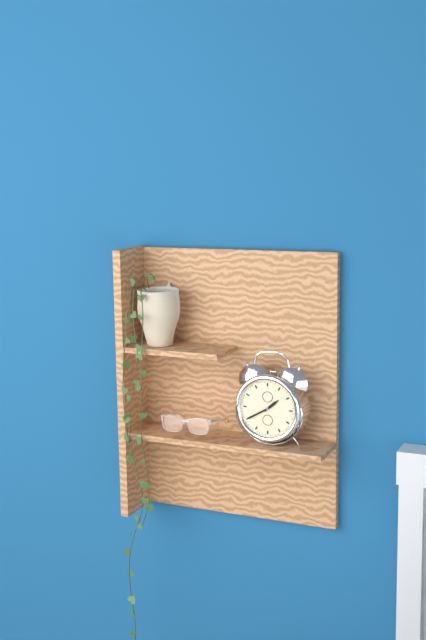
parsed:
1,40
